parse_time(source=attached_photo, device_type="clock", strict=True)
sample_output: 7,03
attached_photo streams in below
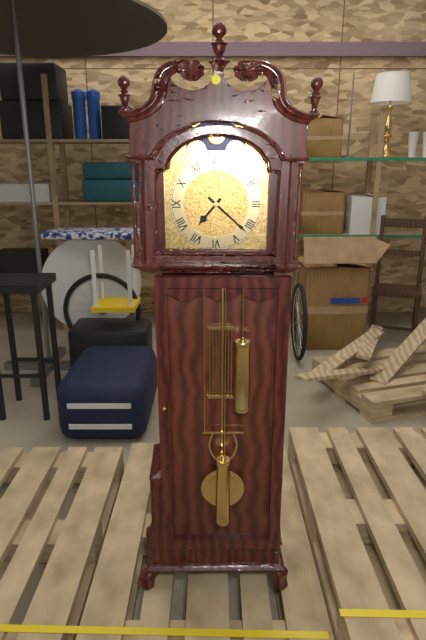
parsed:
7,22
